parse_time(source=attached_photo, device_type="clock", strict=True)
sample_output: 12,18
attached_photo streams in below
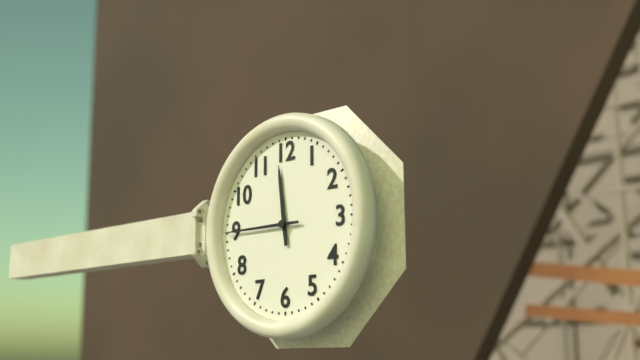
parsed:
11,45
